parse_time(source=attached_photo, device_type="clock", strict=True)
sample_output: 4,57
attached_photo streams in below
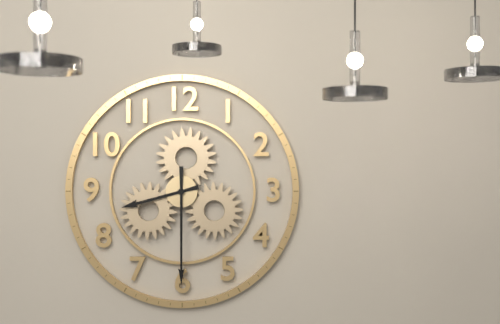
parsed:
8,30
